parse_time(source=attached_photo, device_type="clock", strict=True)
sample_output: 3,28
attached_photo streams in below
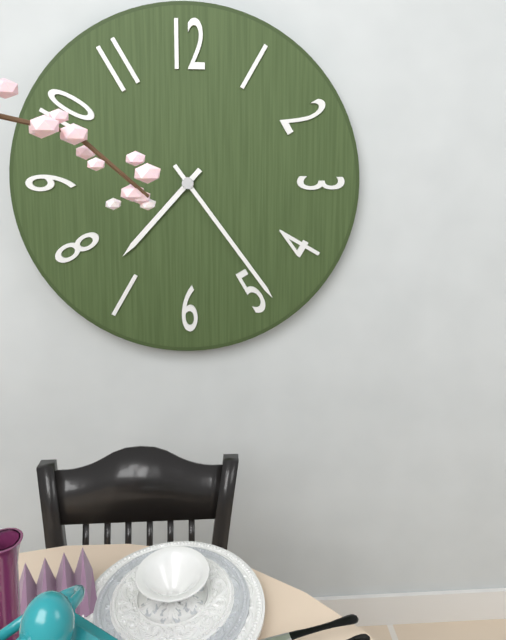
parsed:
7,24
